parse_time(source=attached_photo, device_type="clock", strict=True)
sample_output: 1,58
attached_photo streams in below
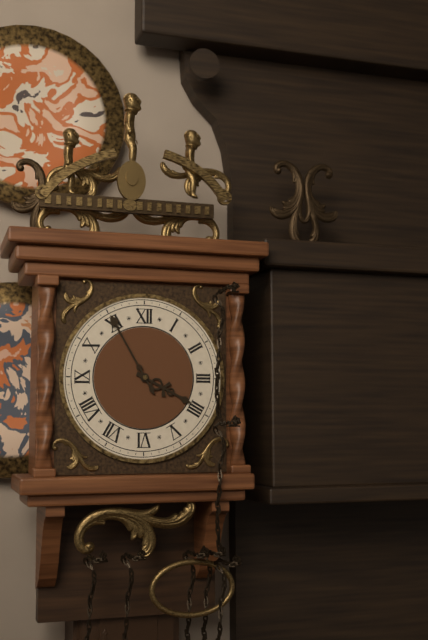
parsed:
3,55
